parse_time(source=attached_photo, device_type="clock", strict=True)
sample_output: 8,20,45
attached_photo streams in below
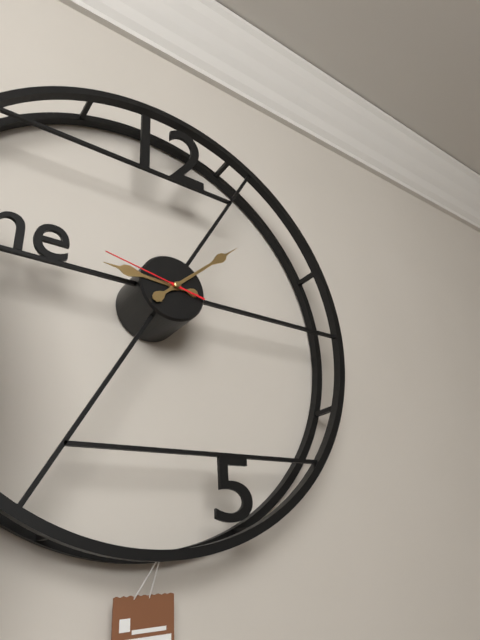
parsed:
9,08,47
